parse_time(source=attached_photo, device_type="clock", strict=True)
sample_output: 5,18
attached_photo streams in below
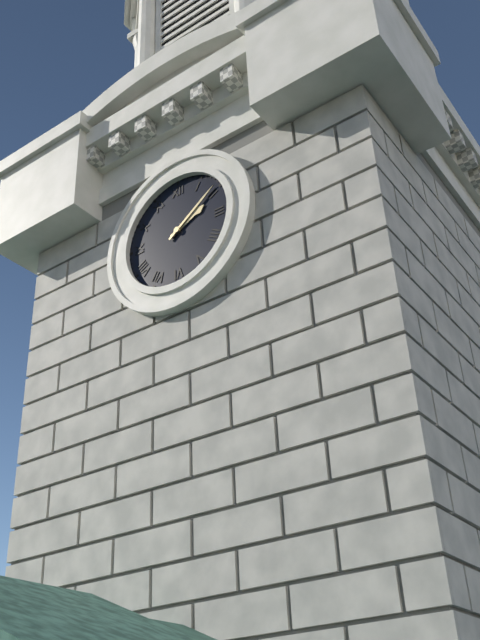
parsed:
2,09
